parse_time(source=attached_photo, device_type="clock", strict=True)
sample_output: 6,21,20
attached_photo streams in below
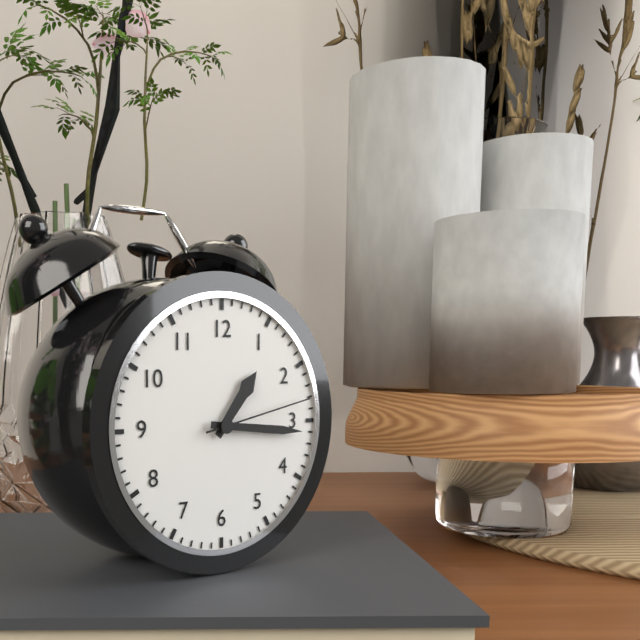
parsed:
1,16,13
